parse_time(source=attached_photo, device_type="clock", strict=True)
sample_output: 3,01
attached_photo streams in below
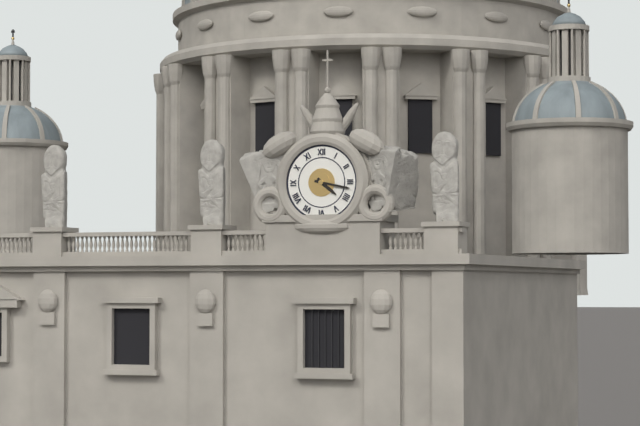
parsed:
4,17
